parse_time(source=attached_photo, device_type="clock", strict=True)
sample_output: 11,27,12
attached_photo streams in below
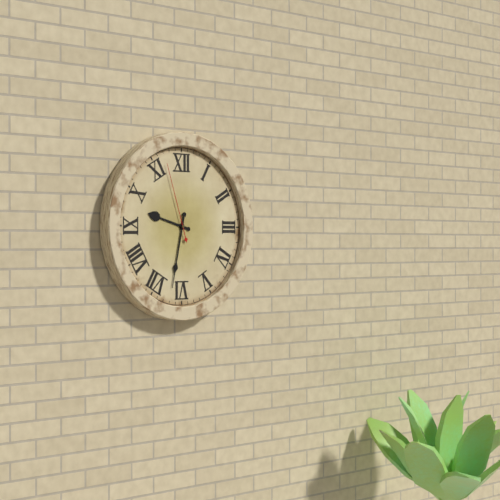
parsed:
9,32,57
